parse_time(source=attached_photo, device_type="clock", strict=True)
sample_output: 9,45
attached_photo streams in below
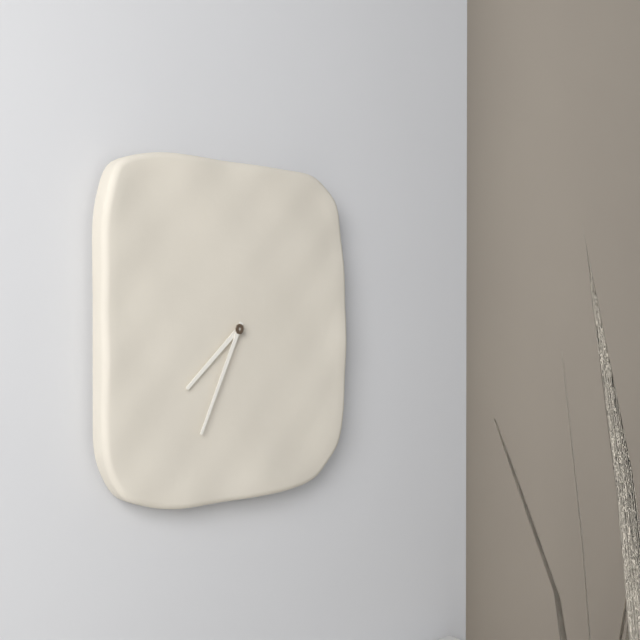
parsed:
7,34
